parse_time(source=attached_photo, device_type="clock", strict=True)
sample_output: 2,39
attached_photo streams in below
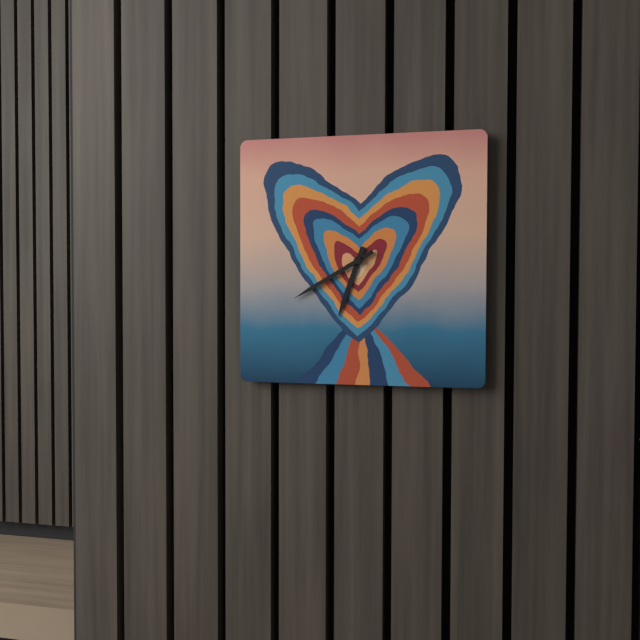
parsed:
6,40
